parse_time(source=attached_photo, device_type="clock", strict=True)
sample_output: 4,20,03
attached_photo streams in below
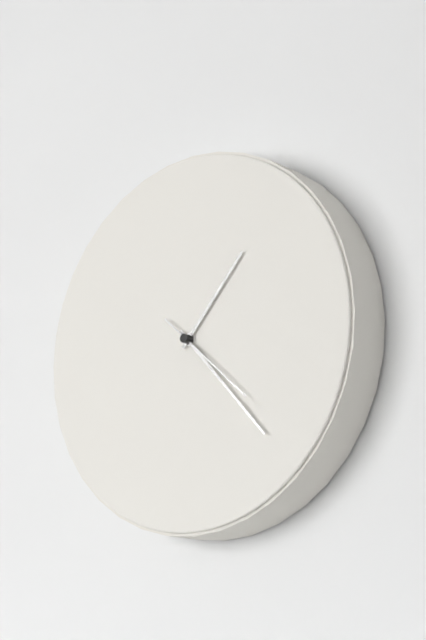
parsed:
1,23,22
